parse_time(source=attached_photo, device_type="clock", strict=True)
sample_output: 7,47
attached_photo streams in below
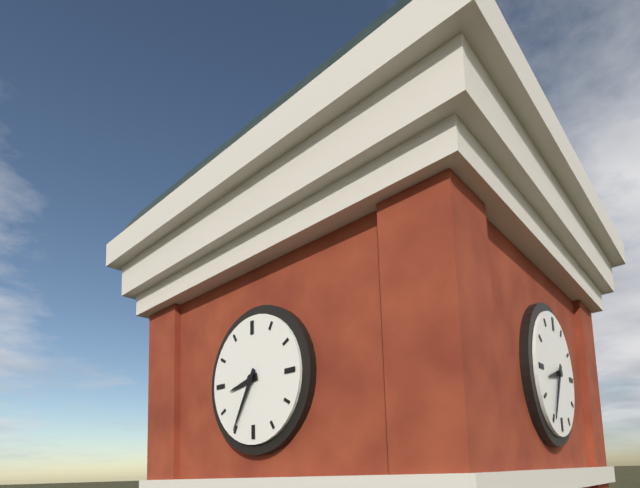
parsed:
8,35
